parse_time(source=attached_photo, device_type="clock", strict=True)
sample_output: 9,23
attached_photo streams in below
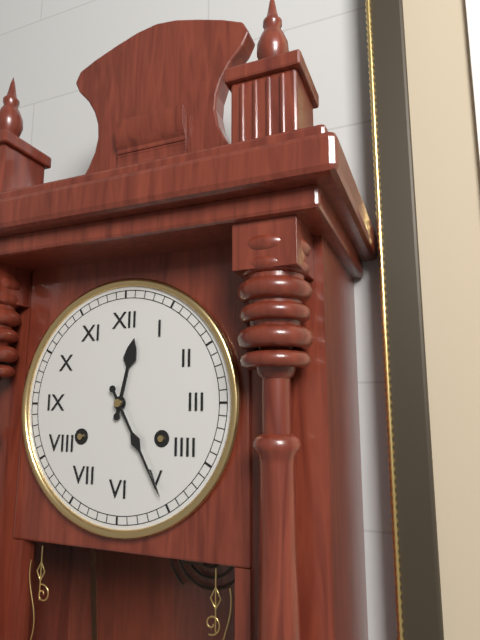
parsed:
12,25
